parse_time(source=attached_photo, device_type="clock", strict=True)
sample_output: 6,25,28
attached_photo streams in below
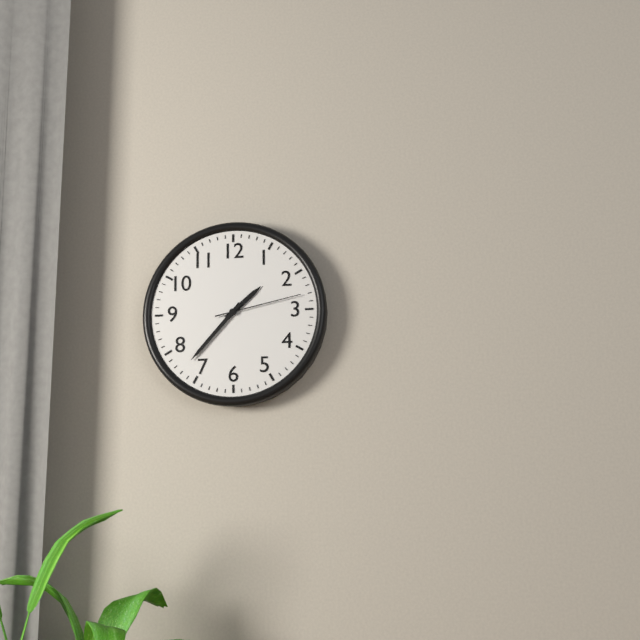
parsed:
1,37,13
